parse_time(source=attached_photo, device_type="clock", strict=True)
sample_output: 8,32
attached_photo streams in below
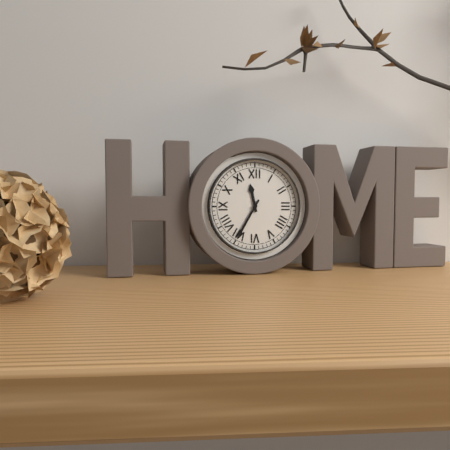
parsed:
11,35
